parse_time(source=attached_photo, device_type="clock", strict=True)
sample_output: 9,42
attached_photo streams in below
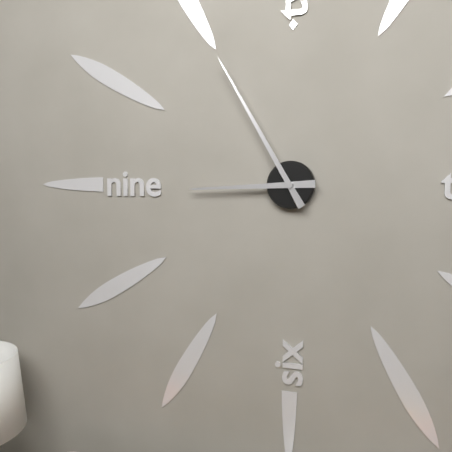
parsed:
8,55
